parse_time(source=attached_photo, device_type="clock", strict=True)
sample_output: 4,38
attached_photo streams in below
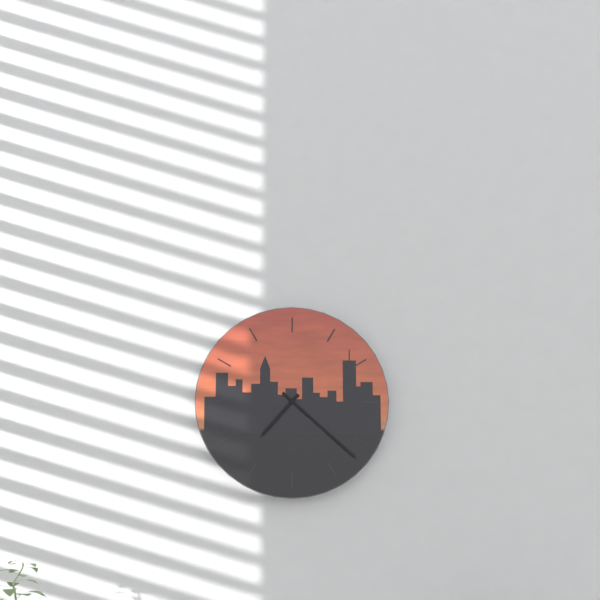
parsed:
7,22
